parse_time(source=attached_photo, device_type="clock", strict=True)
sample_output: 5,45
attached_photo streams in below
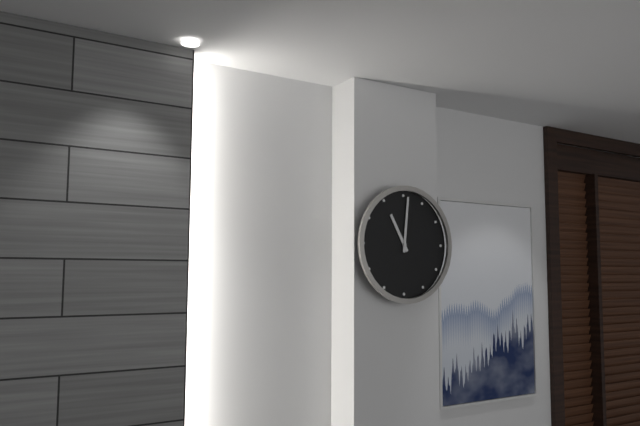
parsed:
11,01
